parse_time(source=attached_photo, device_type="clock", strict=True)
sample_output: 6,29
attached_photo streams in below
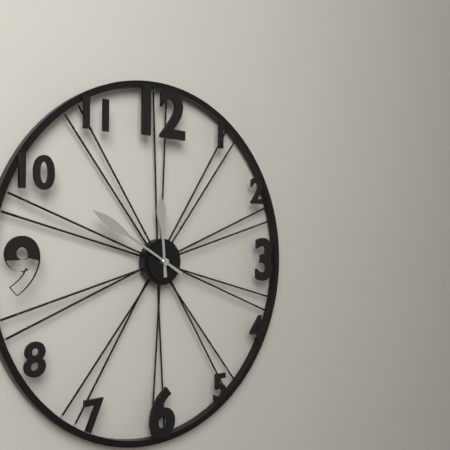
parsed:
11,50
